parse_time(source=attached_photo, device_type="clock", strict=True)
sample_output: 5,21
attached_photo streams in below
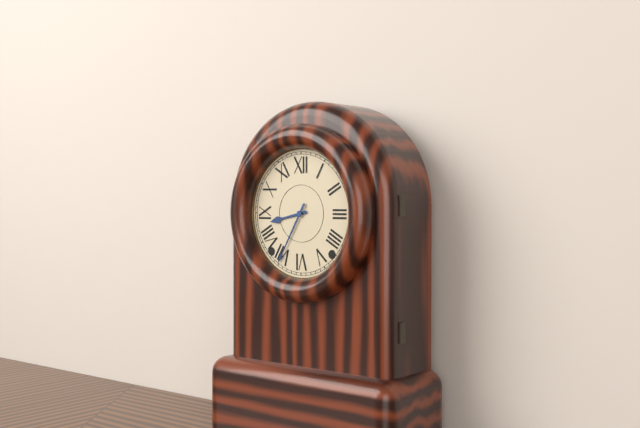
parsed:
8,35
